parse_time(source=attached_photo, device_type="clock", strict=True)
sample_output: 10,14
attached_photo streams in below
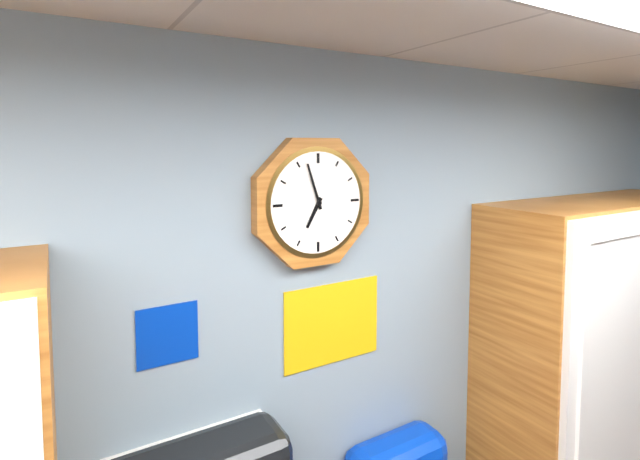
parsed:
6,57
